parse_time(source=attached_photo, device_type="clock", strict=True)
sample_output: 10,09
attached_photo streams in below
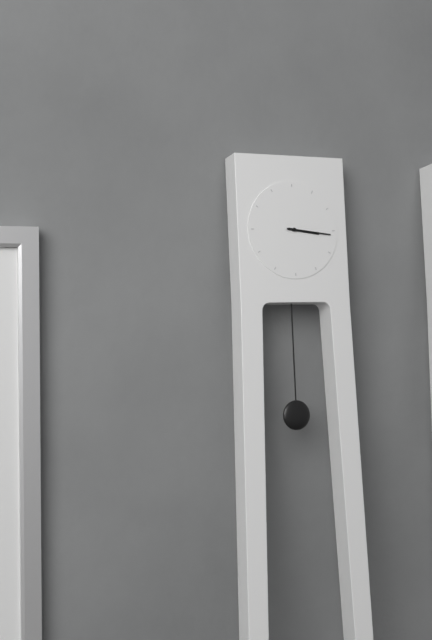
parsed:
3,16
